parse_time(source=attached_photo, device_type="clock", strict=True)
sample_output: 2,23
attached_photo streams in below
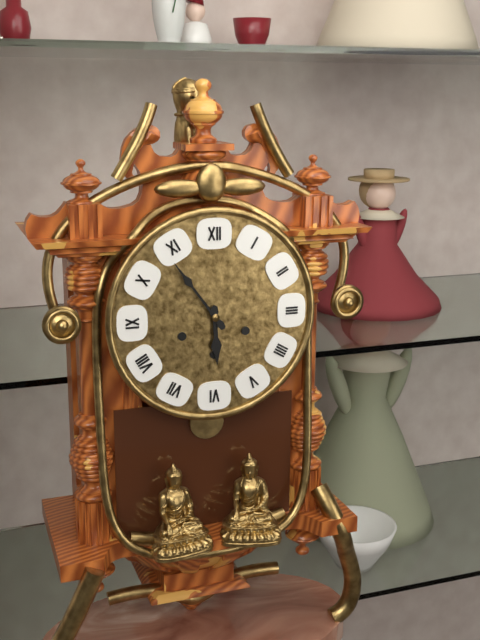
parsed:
5,54
